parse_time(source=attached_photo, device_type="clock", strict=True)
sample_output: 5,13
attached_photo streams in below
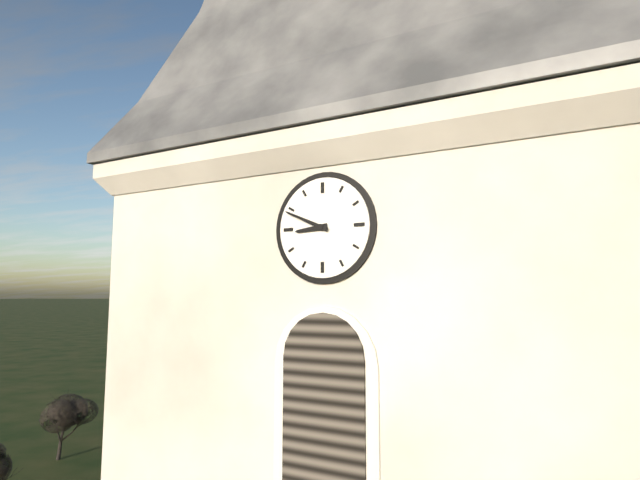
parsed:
8,49
